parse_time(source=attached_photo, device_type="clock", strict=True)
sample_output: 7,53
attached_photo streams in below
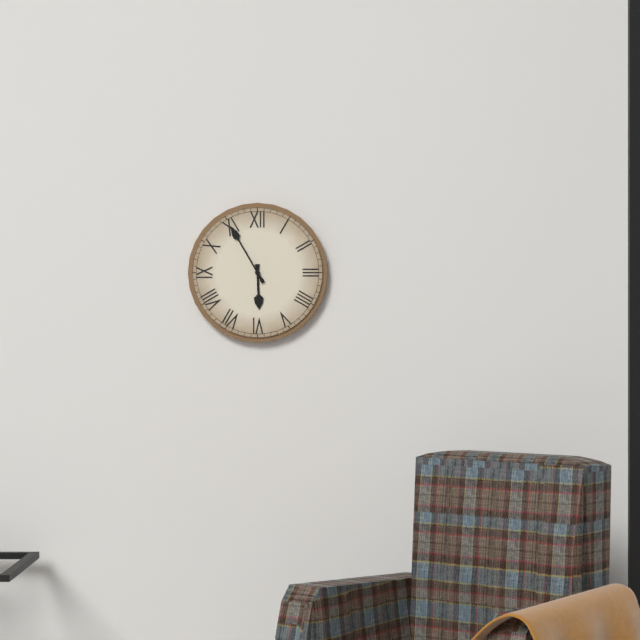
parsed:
5,55
